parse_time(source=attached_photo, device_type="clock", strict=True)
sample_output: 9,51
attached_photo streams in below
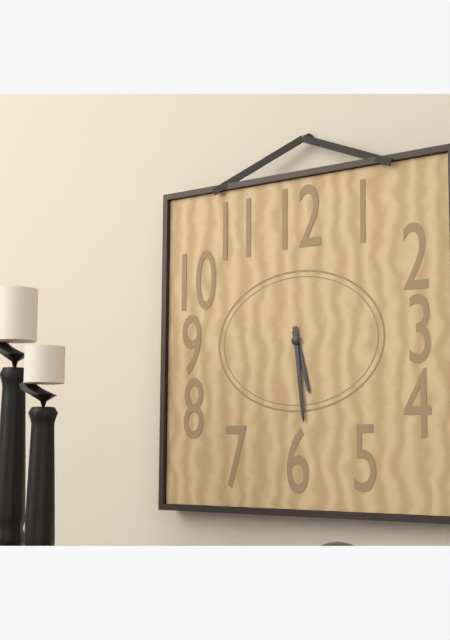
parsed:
5,29
